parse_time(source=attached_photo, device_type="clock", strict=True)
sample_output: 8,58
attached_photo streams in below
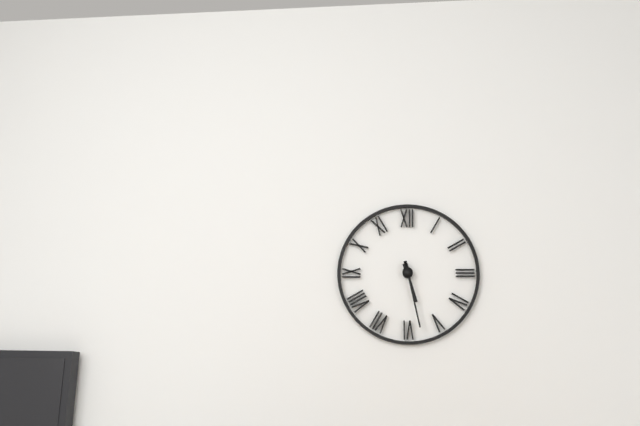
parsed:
5,28
